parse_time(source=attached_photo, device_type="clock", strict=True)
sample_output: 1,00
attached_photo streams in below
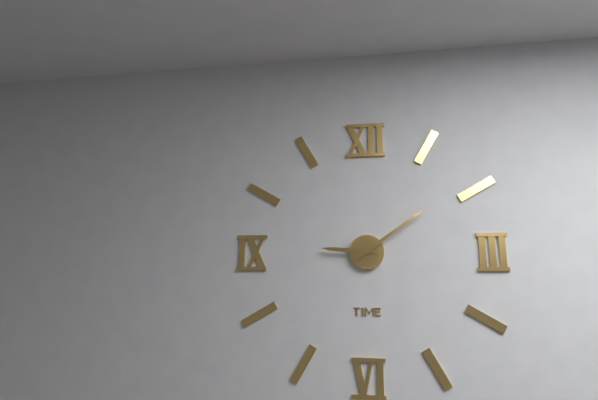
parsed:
9,09
